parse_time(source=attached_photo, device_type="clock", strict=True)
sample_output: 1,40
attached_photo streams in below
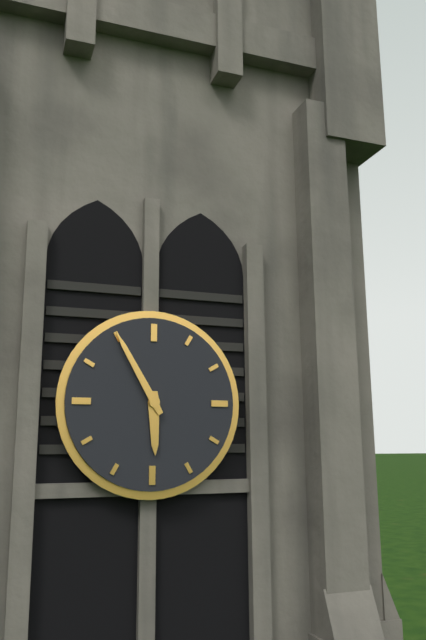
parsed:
5,55
